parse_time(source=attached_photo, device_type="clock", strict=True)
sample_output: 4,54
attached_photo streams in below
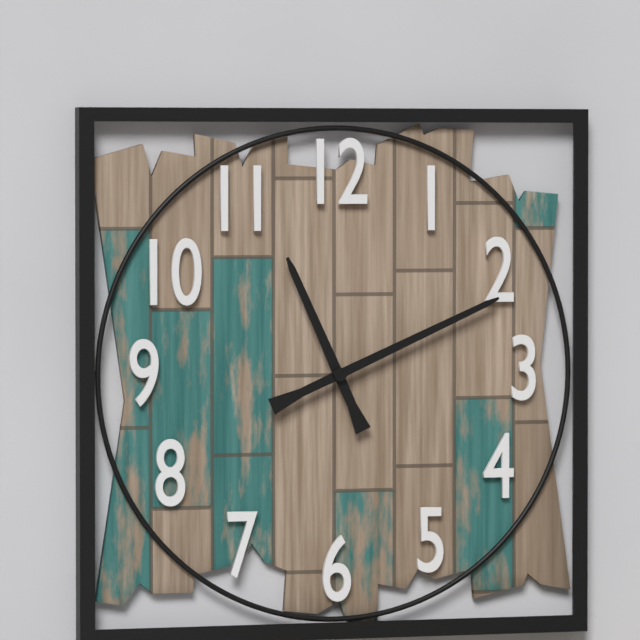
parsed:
11,11
